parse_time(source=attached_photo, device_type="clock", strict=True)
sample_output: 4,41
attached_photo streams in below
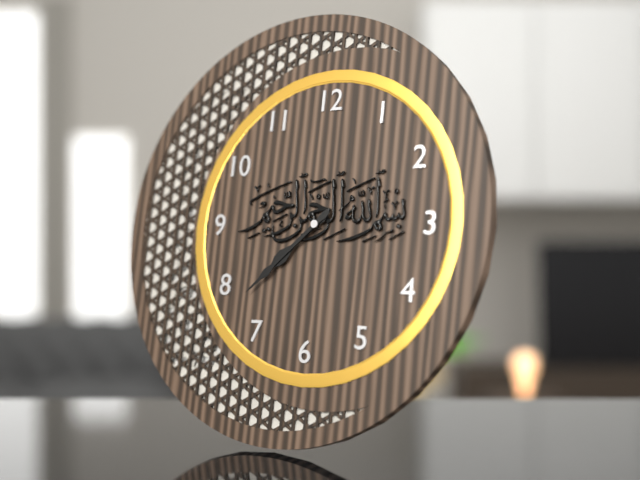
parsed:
7,38
